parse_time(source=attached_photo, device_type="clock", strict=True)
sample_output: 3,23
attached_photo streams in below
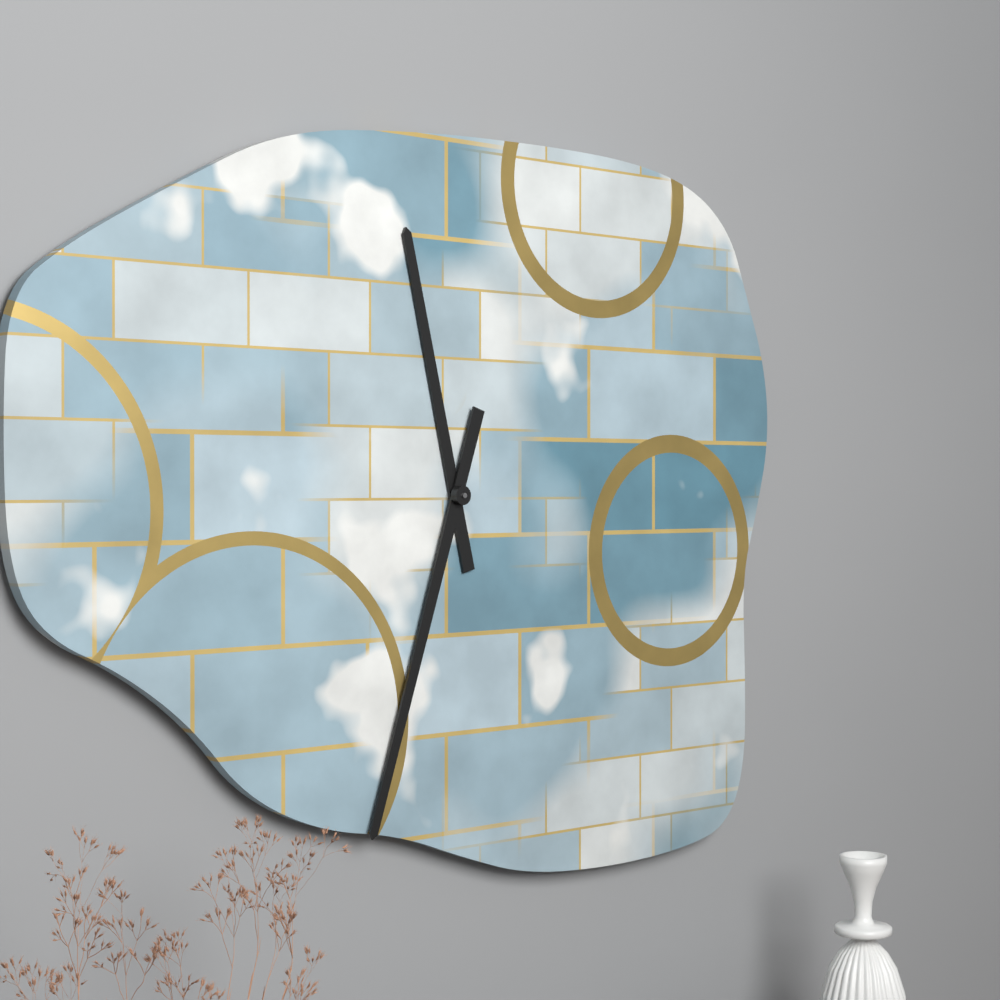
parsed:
11,33
